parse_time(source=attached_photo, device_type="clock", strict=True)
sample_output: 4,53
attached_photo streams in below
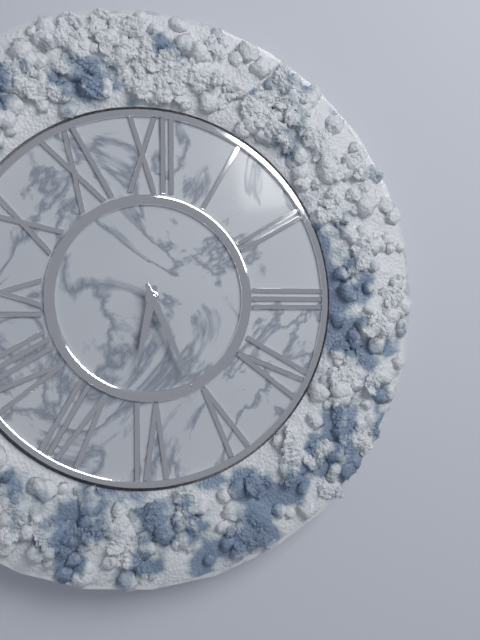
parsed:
6,26
